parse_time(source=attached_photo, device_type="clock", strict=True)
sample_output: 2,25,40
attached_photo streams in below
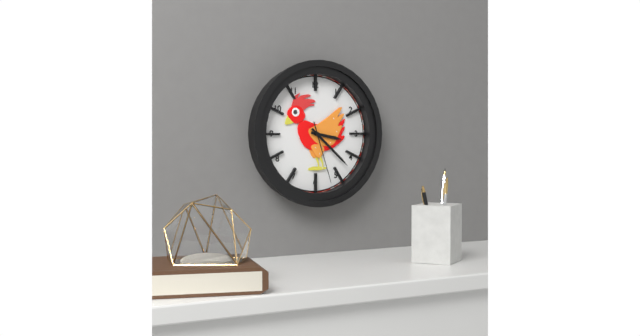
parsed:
3,22,27
